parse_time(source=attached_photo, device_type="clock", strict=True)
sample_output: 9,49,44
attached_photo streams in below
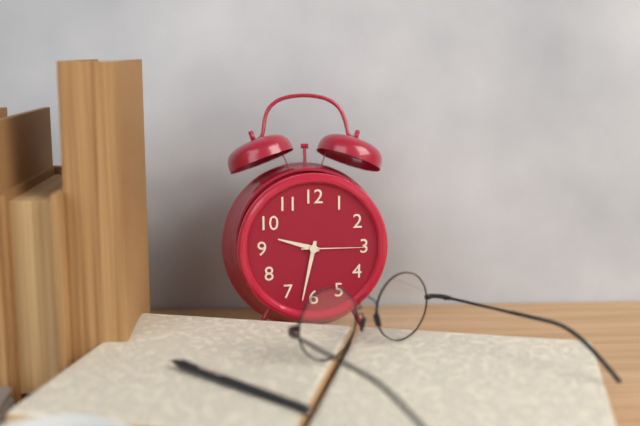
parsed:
9,32,15
